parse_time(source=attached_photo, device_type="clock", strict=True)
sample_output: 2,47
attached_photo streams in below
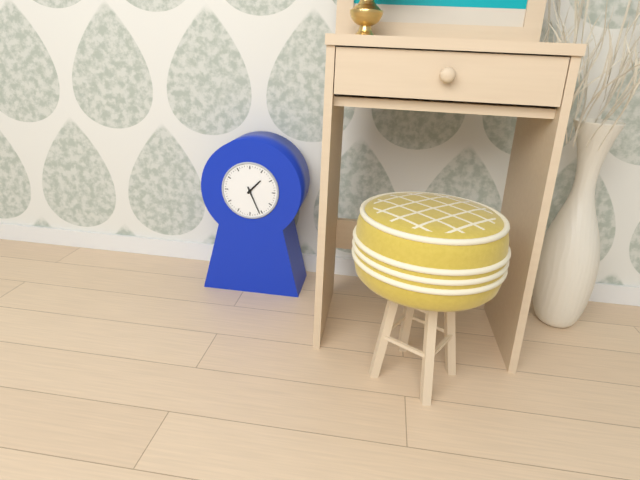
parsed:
1,26
